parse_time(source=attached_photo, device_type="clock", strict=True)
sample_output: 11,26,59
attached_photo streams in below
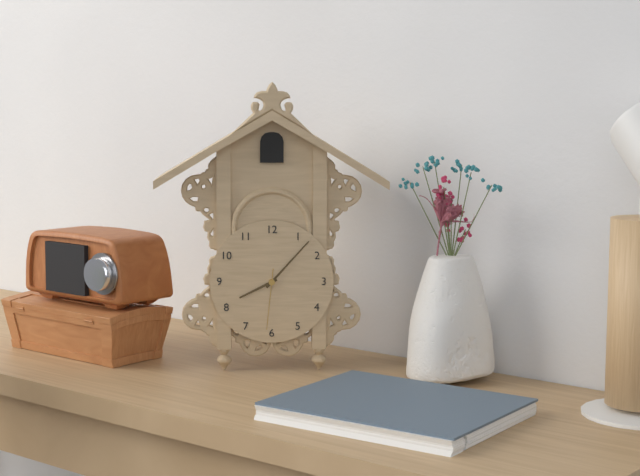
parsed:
8,07,31
